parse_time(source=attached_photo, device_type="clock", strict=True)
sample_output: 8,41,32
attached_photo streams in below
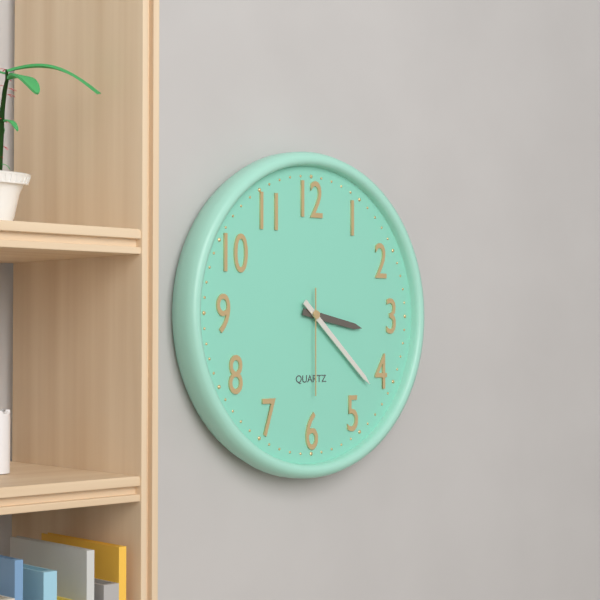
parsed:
3,22,30
